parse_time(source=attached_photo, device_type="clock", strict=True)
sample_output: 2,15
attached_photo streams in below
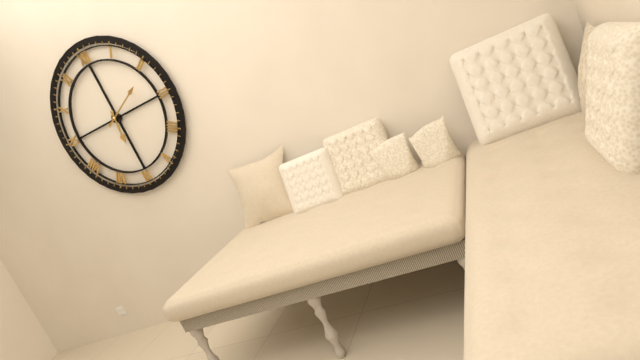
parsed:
6,11
